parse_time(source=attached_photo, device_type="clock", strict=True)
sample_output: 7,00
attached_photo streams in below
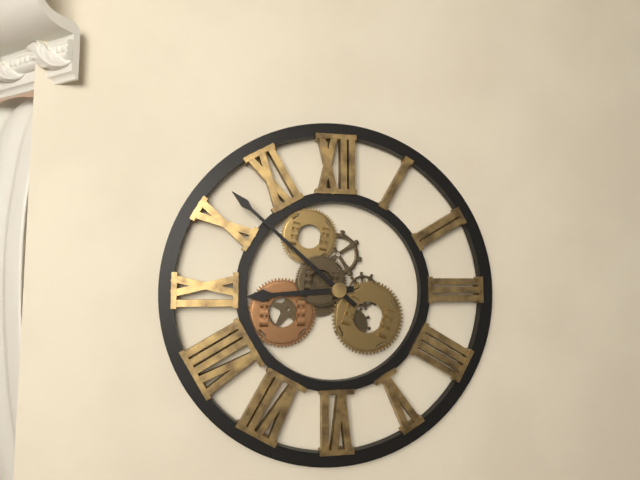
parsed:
8,52
